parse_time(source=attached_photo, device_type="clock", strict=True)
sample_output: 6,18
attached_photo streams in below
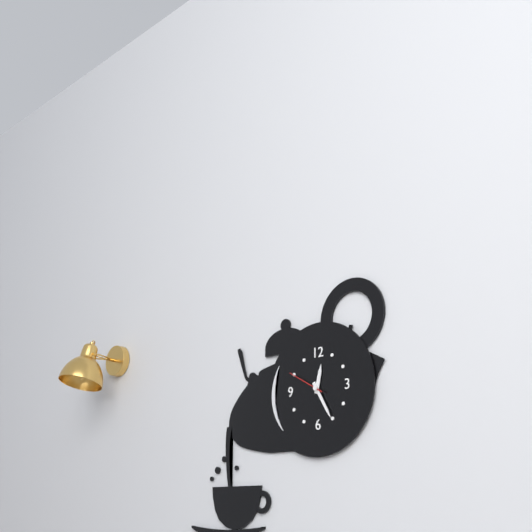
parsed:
12,25
